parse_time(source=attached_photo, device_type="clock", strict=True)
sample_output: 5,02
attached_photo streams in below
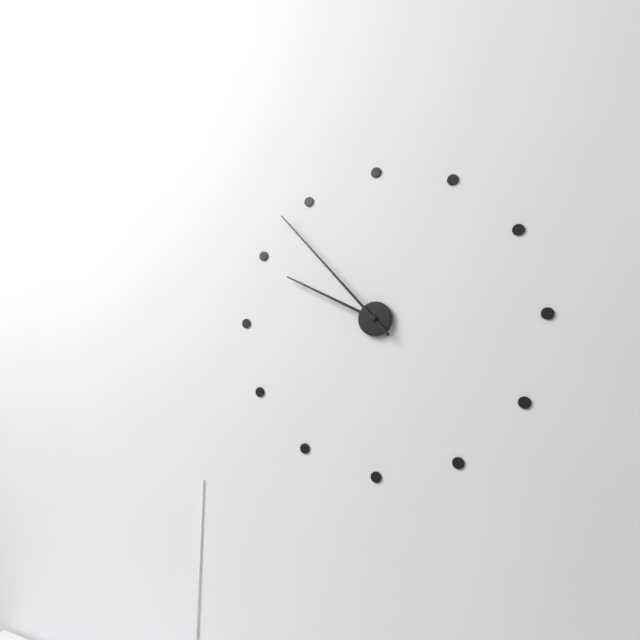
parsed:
9,53
